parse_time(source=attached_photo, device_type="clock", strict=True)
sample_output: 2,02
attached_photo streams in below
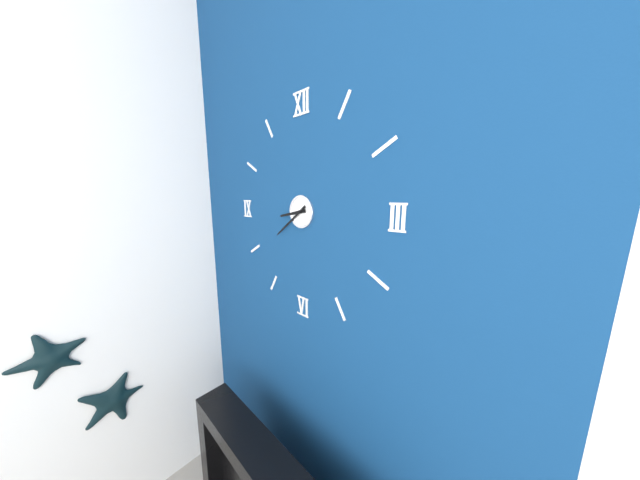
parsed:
8,39
